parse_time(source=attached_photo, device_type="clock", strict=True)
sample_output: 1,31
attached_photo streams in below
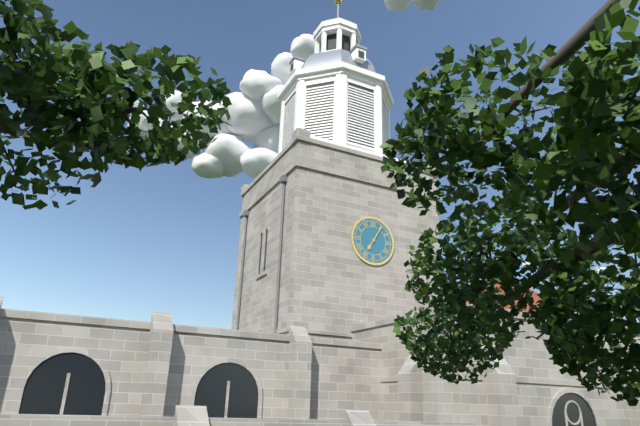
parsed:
7,05
